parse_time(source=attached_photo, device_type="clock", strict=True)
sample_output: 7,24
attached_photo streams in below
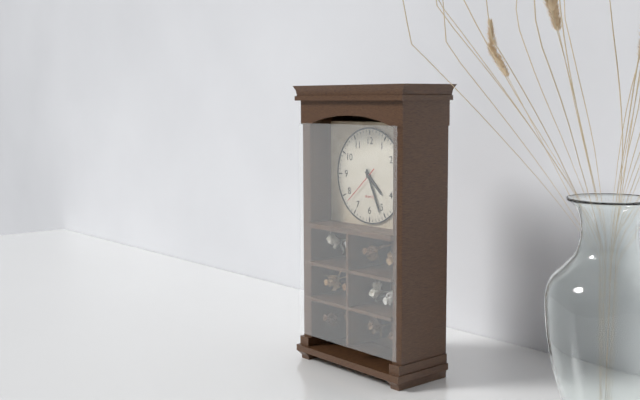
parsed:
4,26
